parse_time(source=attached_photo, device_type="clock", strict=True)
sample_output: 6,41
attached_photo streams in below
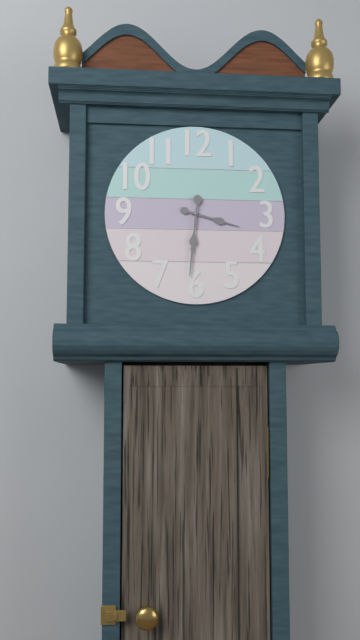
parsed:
3,31
